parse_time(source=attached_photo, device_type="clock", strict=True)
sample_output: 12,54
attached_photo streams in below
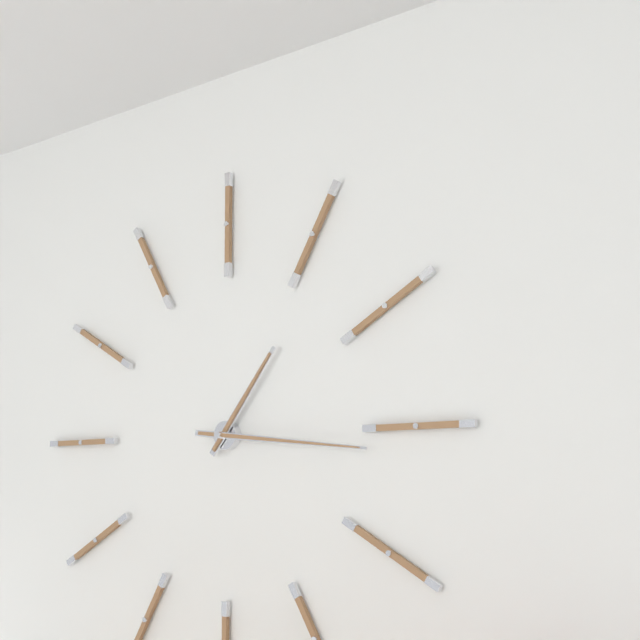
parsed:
1,16
